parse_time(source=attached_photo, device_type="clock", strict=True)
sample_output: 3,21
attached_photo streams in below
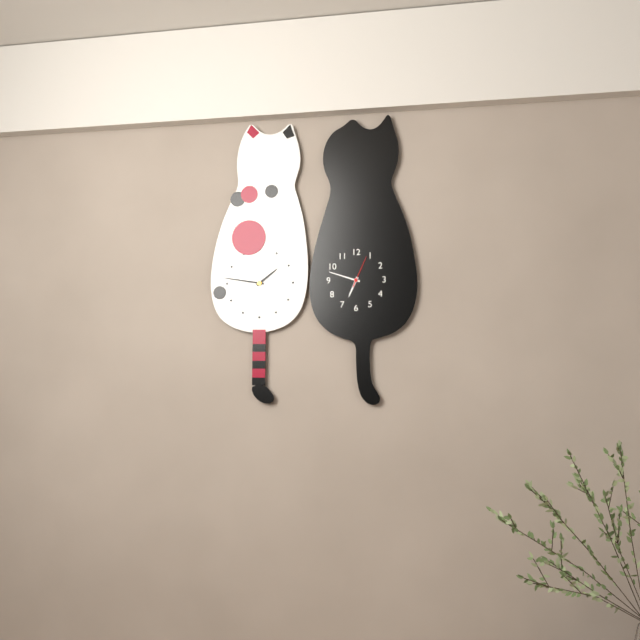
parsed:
6,48
